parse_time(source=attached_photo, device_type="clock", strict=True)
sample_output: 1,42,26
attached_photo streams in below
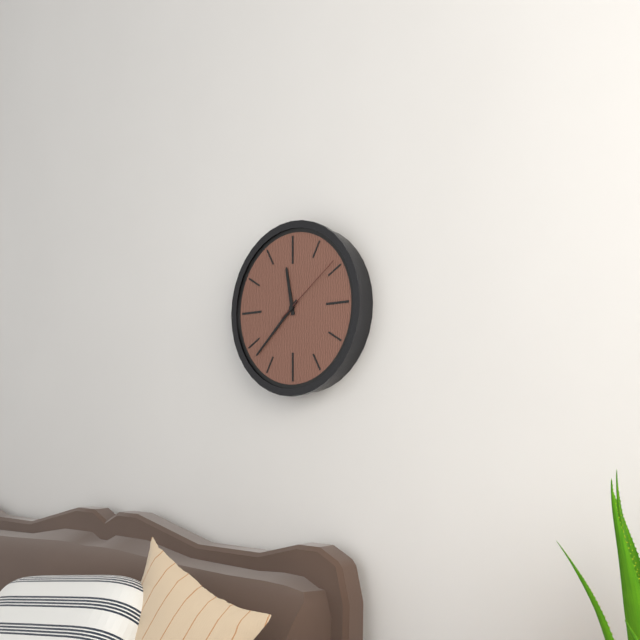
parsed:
11,38,09
